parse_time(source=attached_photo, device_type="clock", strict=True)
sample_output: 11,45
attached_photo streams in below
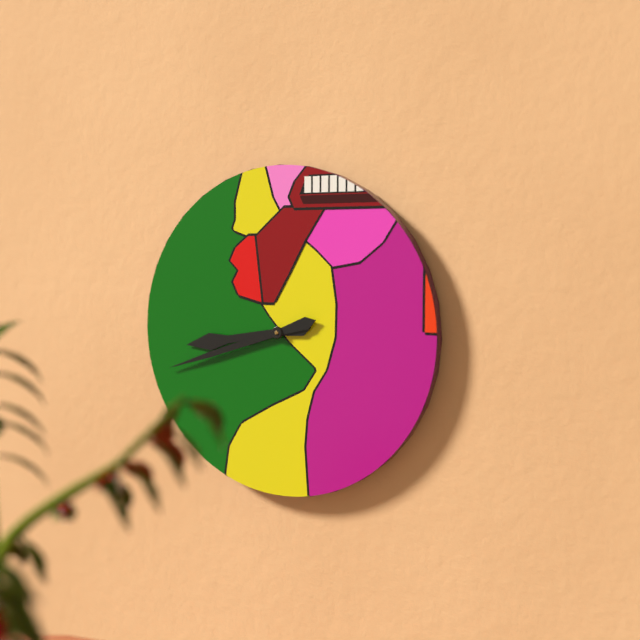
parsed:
8,42
